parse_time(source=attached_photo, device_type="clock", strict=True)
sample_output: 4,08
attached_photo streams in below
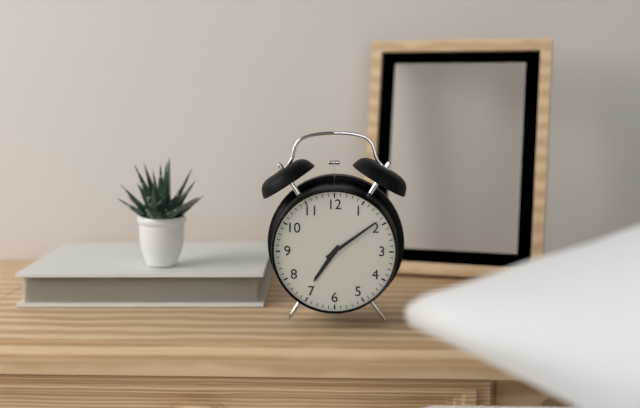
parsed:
7,09
